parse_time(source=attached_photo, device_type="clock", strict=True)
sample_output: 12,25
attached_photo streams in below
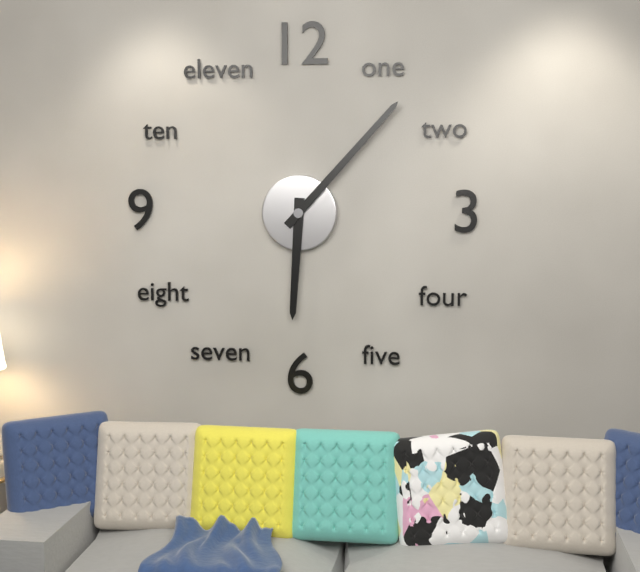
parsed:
6,07
